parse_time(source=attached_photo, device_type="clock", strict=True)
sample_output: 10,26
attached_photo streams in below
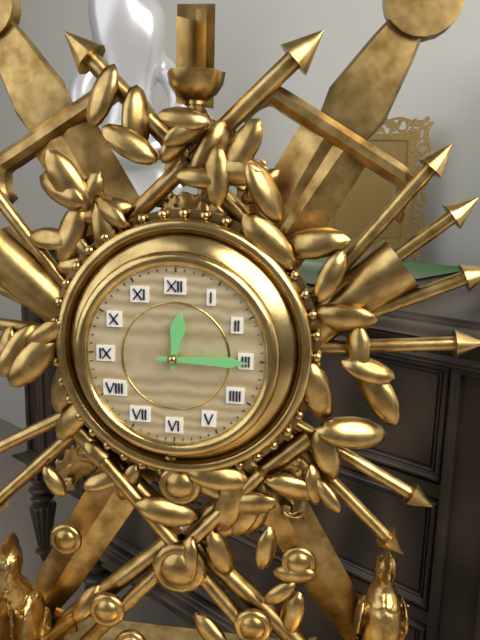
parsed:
12,15
